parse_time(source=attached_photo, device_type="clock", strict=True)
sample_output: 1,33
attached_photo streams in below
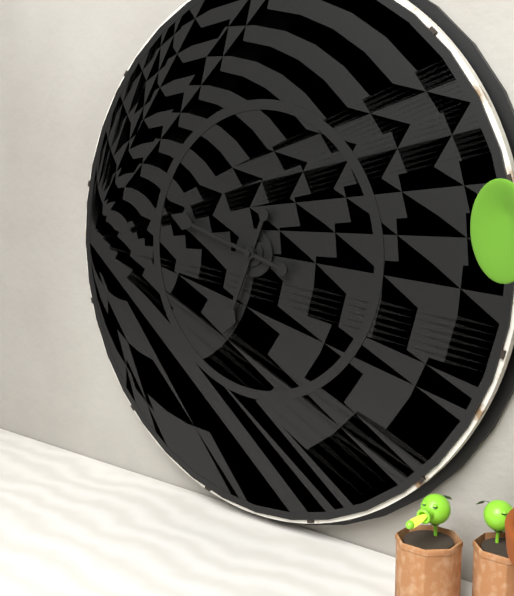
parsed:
6,48
